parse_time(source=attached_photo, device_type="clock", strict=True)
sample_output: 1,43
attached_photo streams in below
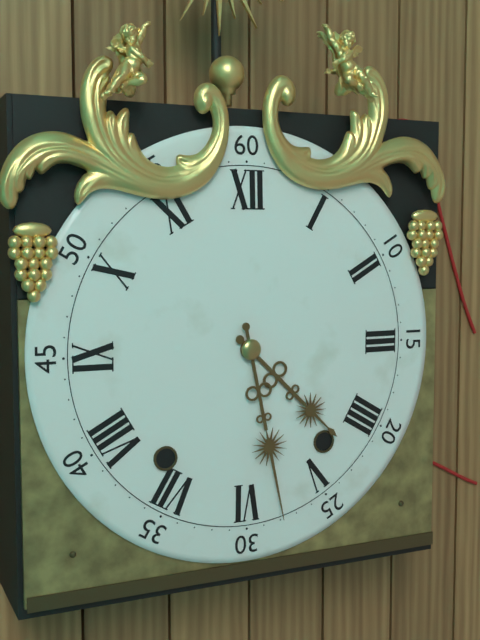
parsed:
4,28
